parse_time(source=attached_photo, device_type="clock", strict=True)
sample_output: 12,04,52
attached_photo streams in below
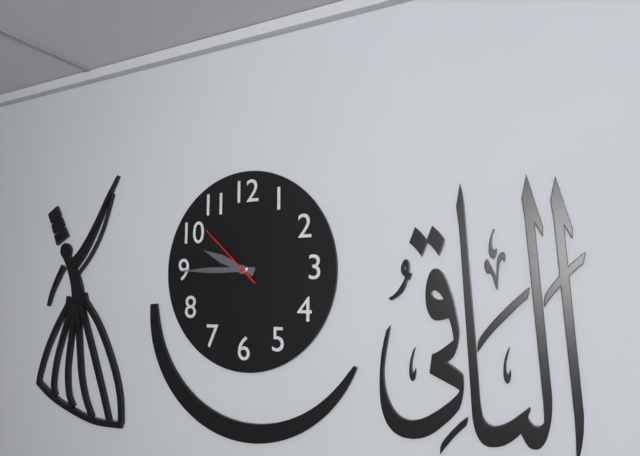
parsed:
9,45,52
